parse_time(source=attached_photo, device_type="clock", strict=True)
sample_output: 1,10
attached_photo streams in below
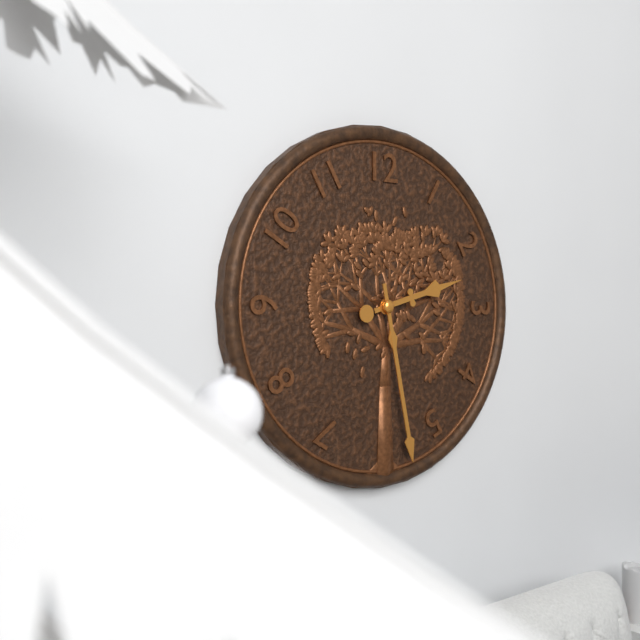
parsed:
2,28
